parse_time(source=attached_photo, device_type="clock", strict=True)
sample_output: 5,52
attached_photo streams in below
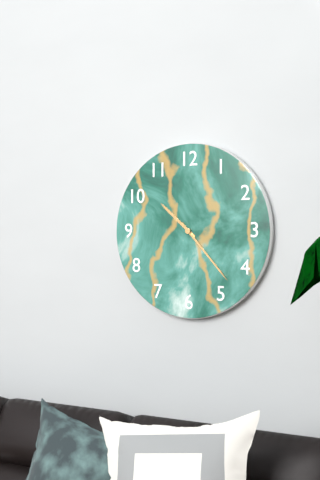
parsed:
10,23
